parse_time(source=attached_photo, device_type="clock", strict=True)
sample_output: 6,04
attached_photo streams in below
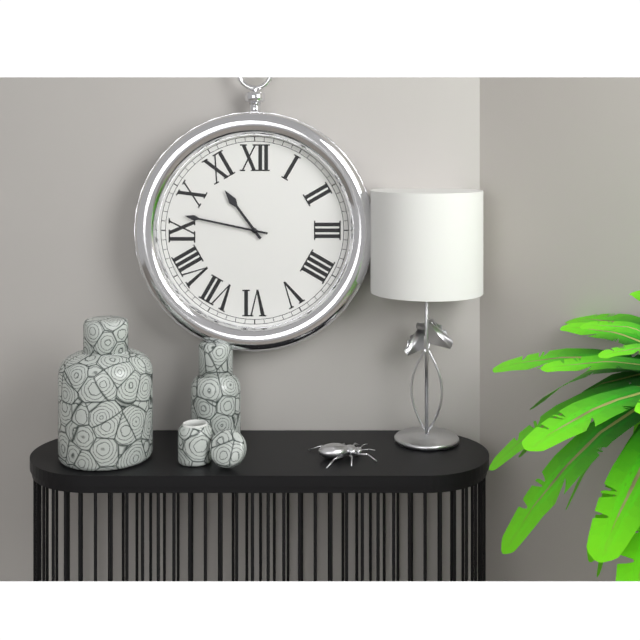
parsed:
10,47
